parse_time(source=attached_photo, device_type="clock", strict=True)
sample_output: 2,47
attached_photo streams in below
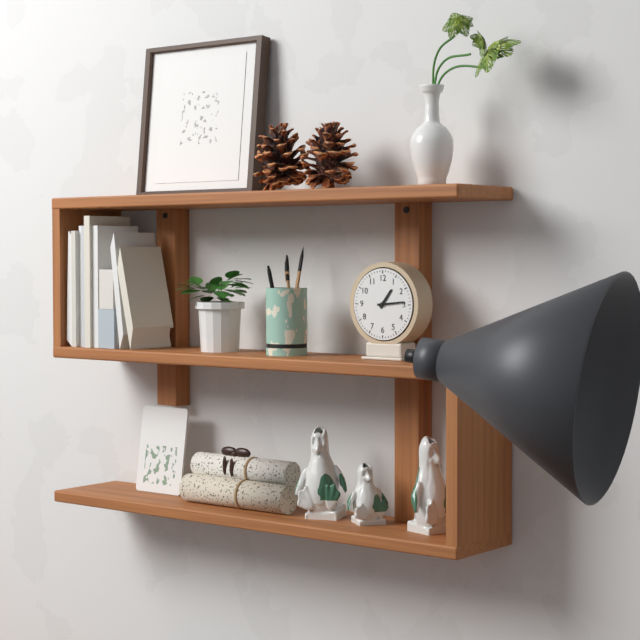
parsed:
1,14
